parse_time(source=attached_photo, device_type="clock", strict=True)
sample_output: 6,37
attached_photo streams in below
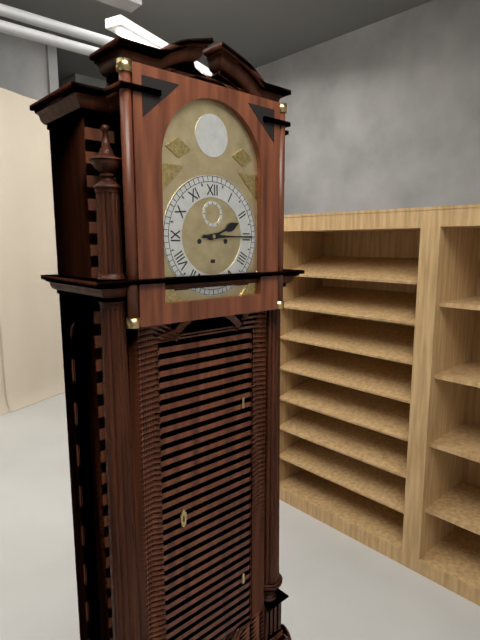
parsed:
2,15
